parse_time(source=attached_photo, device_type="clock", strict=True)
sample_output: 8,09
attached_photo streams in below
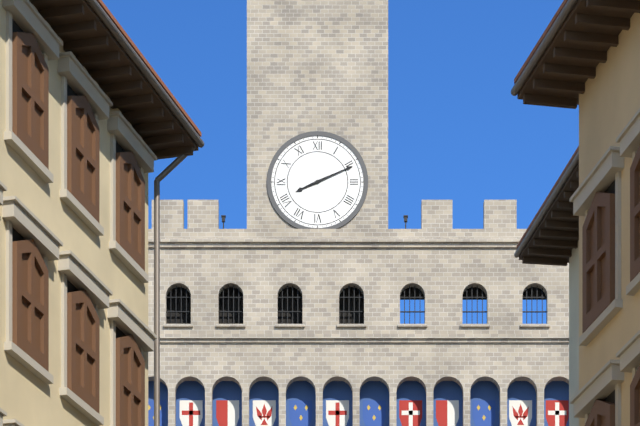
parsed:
8,11
